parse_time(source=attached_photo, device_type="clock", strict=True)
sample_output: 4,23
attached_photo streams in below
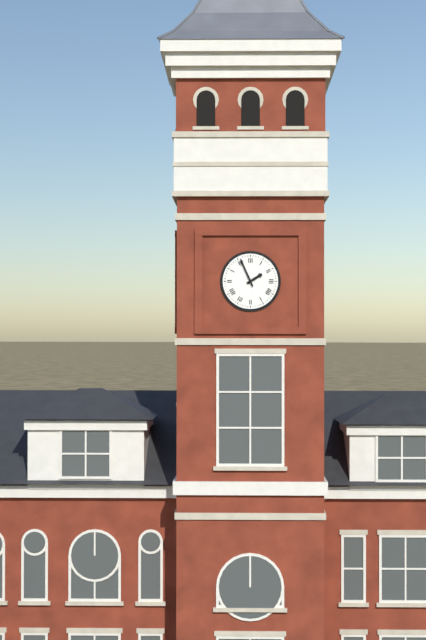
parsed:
1,56
